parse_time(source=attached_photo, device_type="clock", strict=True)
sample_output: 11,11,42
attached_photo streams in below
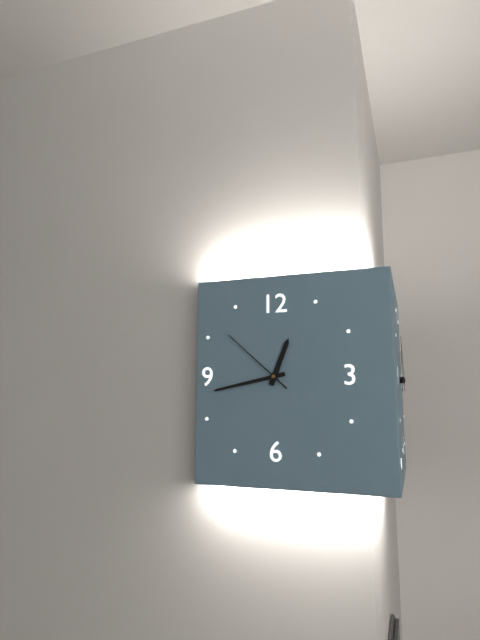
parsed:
12,43,52
